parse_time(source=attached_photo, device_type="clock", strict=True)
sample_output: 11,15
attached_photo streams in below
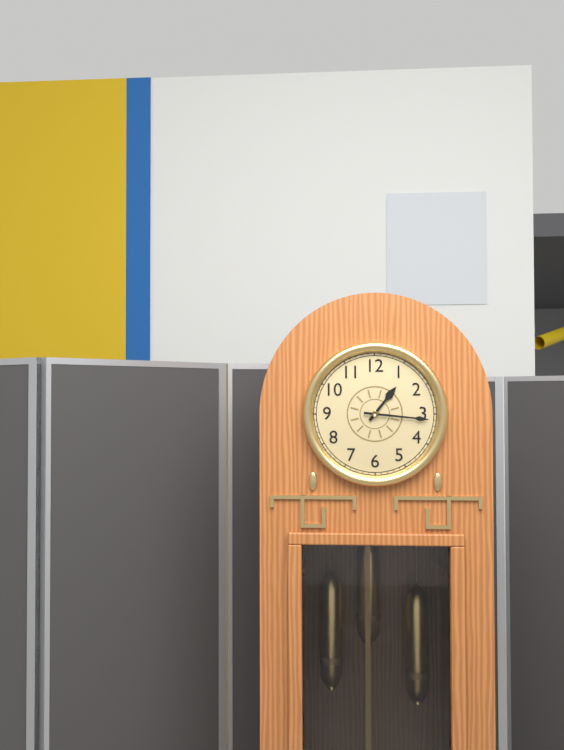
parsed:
1,16
